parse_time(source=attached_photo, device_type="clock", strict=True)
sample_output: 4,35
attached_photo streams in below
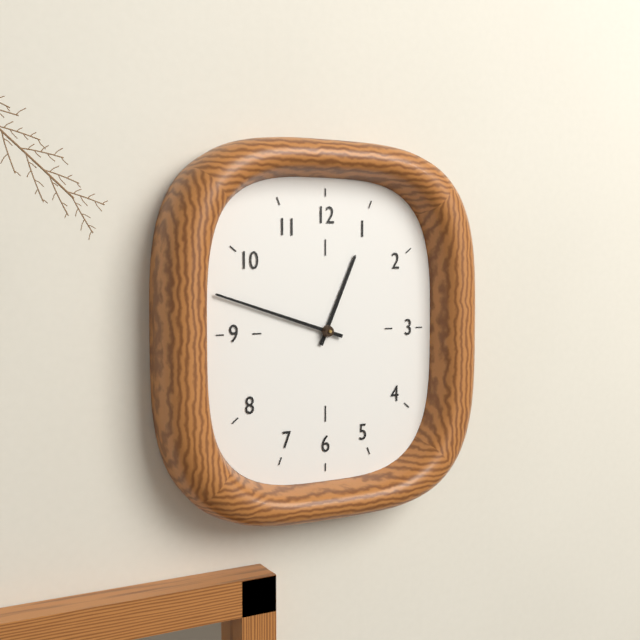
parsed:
12,48
